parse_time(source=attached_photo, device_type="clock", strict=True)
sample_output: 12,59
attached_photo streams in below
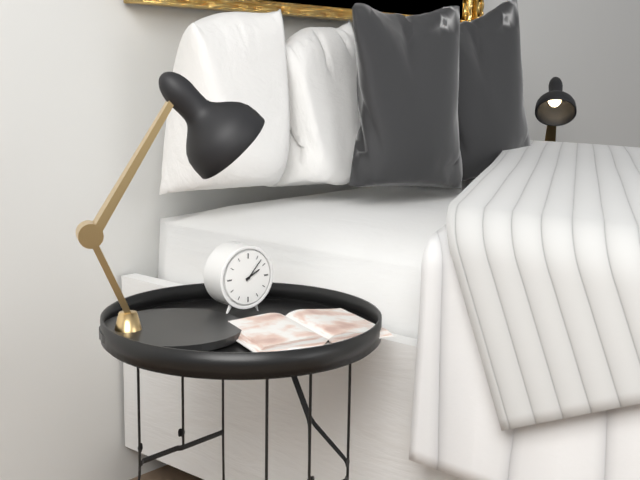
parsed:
2,07
